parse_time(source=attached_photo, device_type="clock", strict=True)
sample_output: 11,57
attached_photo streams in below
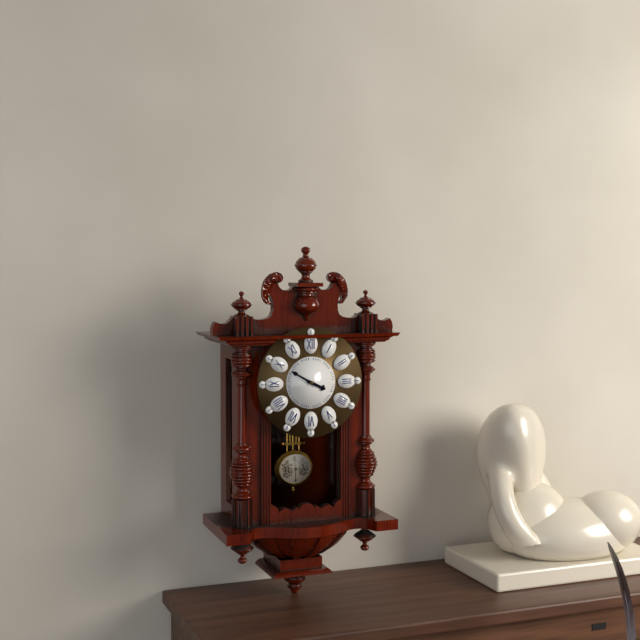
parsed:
3,50
